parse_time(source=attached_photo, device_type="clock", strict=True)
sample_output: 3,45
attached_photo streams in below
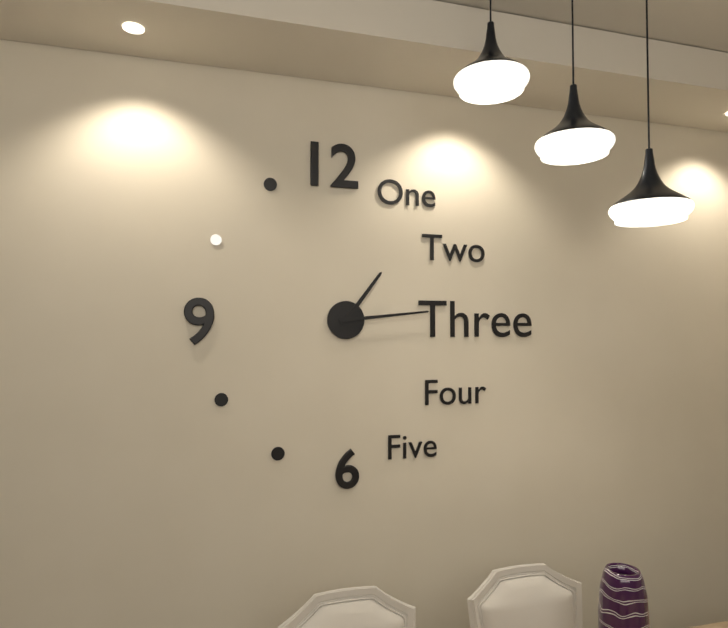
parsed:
1,14
